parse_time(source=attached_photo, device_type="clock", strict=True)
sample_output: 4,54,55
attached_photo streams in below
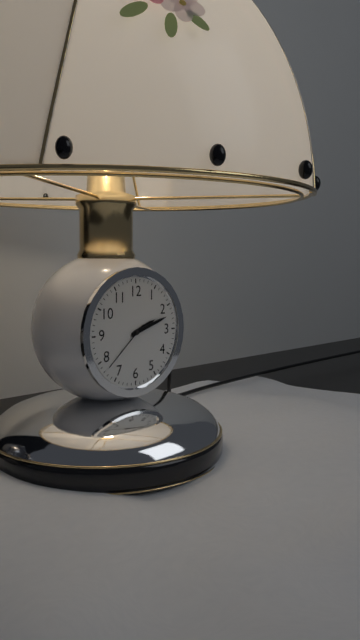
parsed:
2,12,38
